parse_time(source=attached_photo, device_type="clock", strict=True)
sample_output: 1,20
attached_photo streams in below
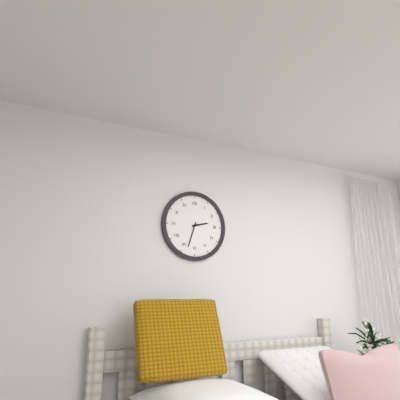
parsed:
2,33
